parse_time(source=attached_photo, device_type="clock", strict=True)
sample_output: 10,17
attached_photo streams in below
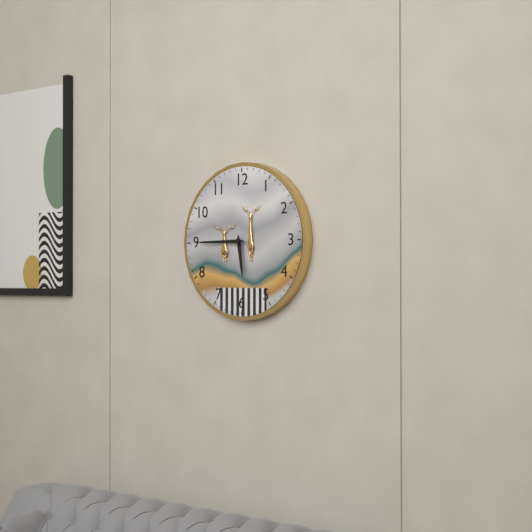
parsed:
5,45
